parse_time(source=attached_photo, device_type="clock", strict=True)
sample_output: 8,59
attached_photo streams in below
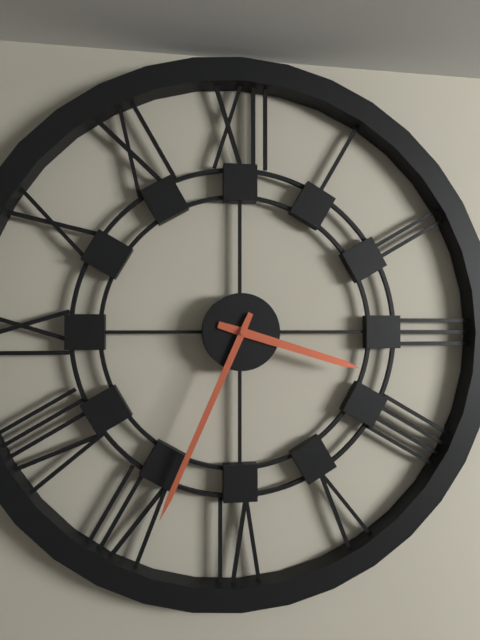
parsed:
3,34
